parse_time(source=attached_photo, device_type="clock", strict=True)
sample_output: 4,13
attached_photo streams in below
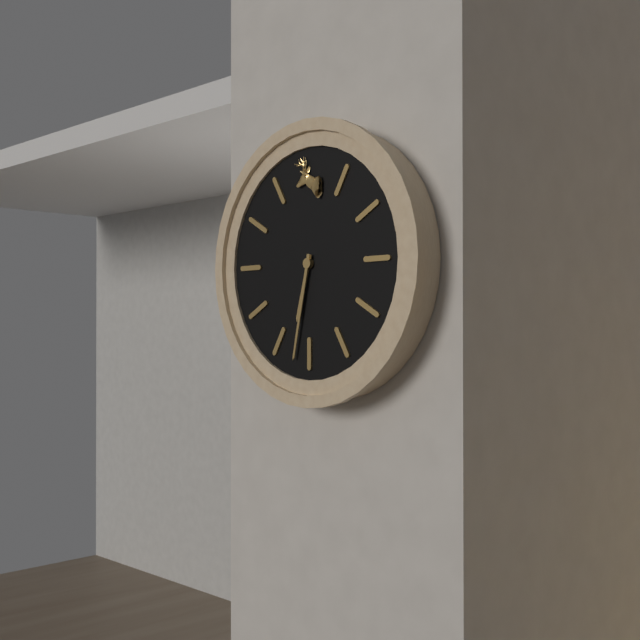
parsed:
6,32
